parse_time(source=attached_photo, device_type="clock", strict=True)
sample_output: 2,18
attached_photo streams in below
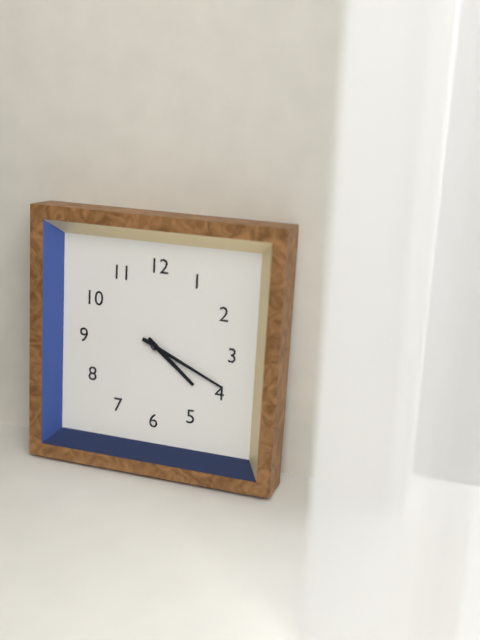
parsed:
4,19
